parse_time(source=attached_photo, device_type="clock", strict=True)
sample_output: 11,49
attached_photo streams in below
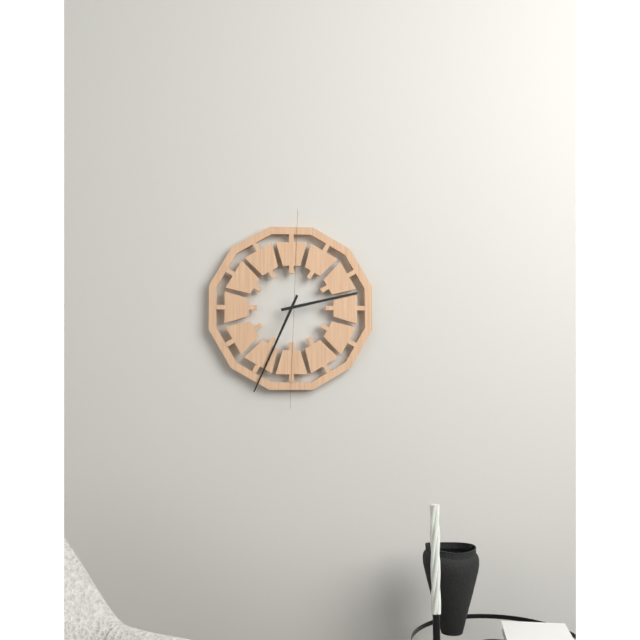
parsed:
2,34
